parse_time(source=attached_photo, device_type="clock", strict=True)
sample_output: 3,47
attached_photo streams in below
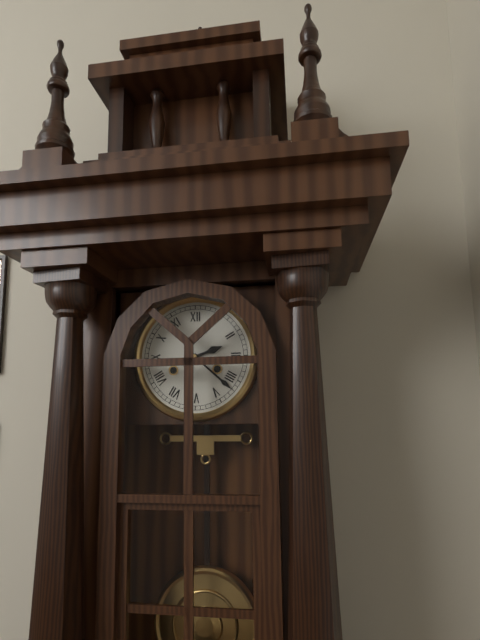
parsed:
2,22
